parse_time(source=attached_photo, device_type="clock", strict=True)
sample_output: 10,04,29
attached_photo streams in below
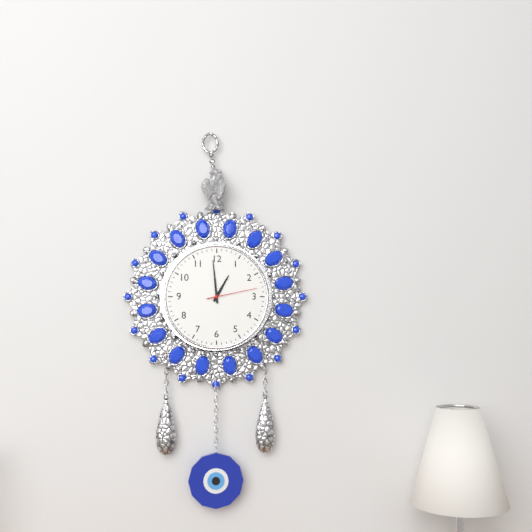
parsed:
12,59,13
